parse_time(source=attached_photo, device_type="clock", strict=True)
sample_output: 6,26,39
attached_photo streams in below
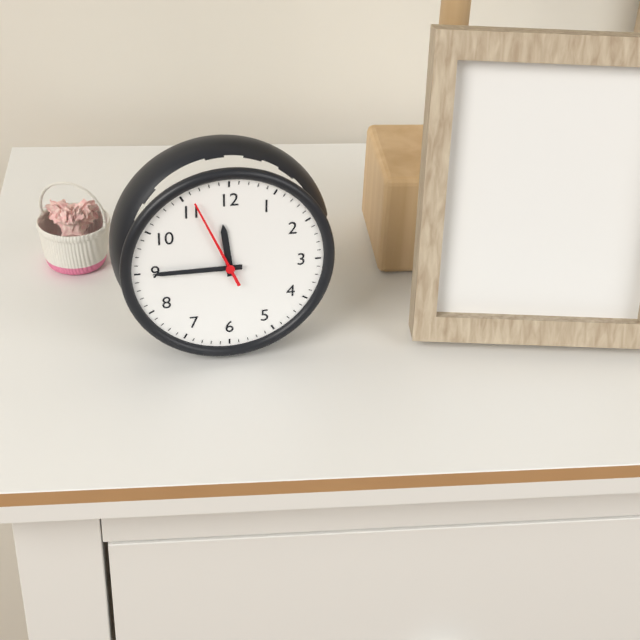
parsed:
11,45,56
